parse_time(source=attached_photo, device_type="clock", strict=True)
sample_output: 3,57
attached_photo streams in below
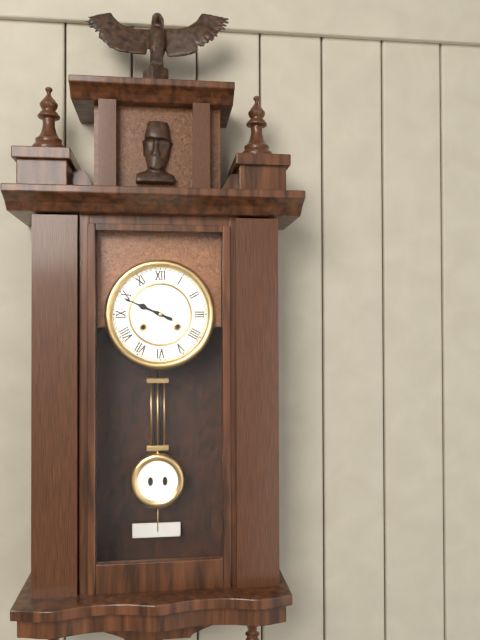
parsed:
9,49
